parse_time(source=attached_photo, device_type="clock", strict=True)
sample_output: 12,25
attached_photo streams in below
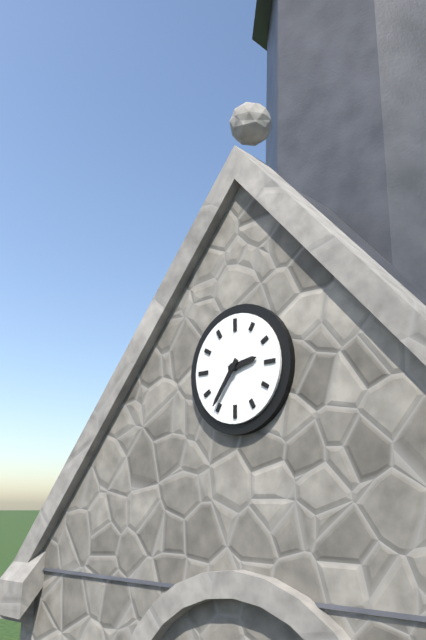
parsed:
2,36
